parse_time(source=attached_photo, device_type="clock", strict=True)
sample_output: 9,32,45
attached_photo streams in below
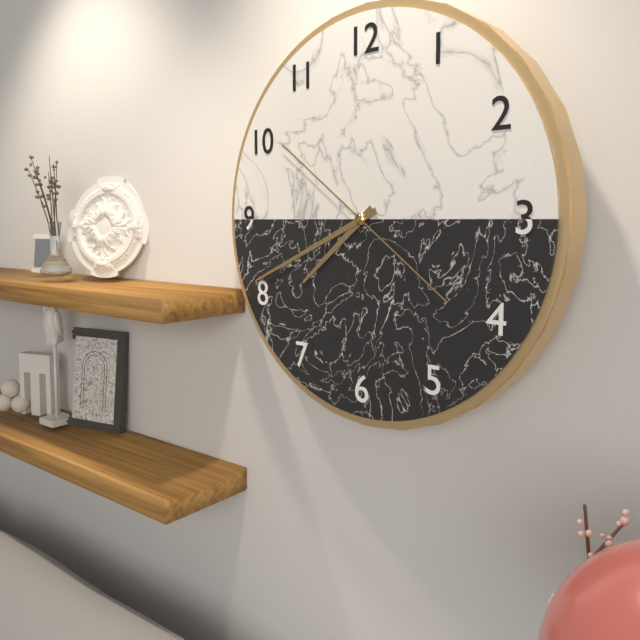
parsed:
7,41,51
